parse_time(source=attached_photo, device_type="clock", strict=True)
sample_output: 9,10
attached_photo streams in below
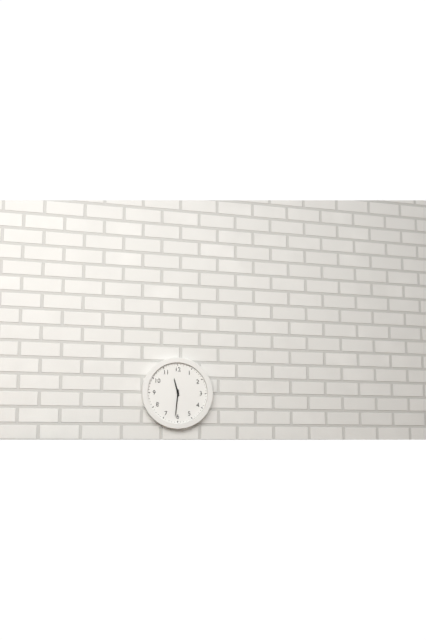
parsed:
11,31
